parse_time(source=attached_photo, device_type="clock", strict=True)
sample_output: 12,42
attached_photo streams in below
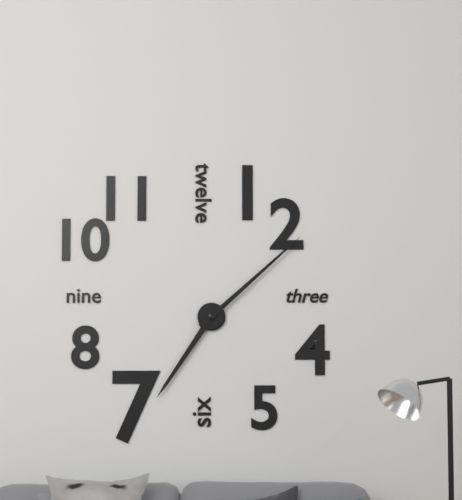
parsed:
7,08
